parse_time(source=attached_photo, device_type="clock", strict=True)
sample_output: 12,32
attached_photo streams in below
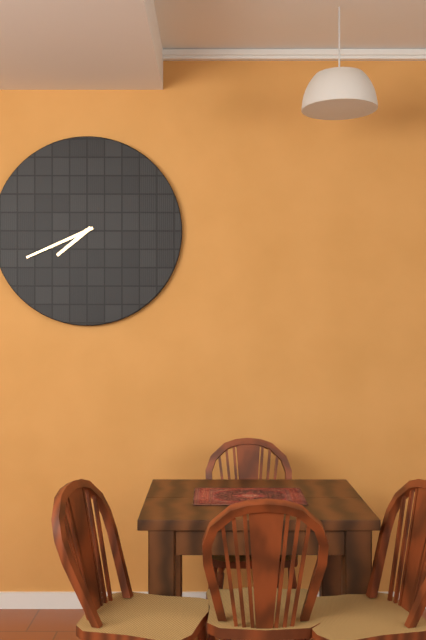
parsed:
7,41
